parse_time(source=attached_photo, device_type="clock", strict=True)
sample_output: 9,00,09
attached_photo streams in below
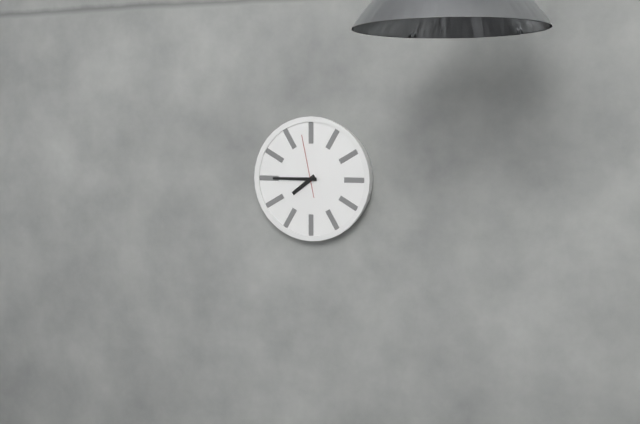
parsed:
7,45,58
